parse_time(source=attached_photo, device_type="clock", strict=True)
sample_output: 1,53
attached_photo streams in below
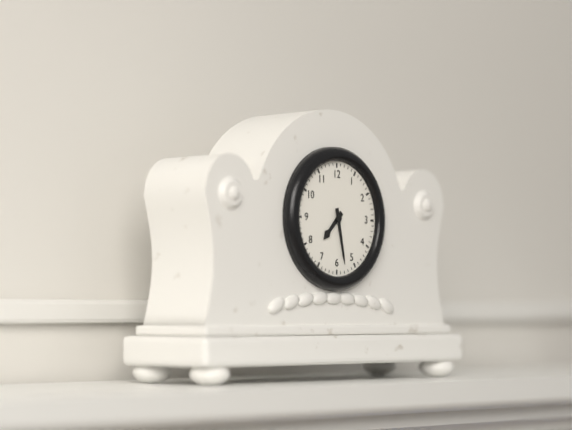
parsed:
7,28
